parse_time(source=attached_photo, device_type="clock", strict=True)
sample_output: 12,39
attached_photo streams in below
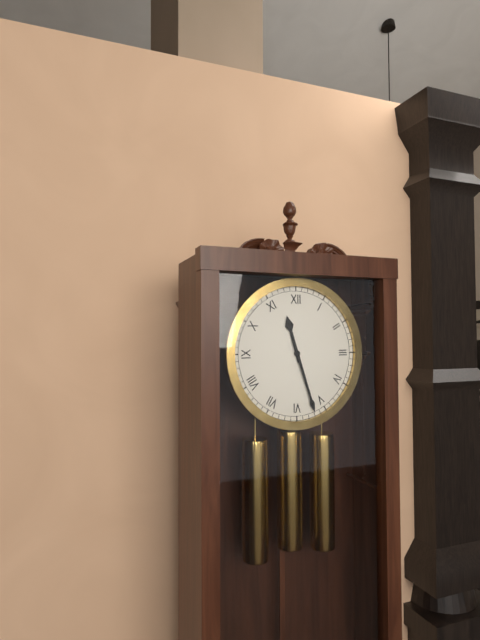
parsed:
11,27
